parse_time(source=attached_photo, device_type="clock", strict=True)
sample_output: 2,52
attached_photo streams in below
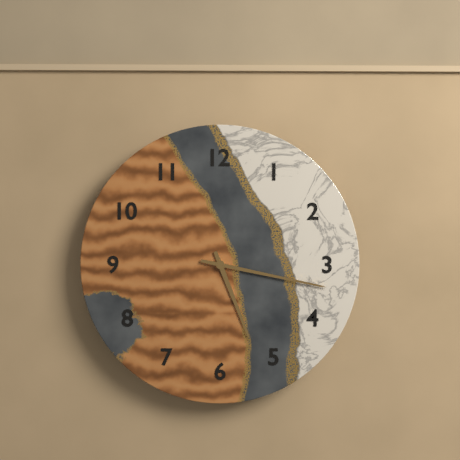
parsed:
5,17
